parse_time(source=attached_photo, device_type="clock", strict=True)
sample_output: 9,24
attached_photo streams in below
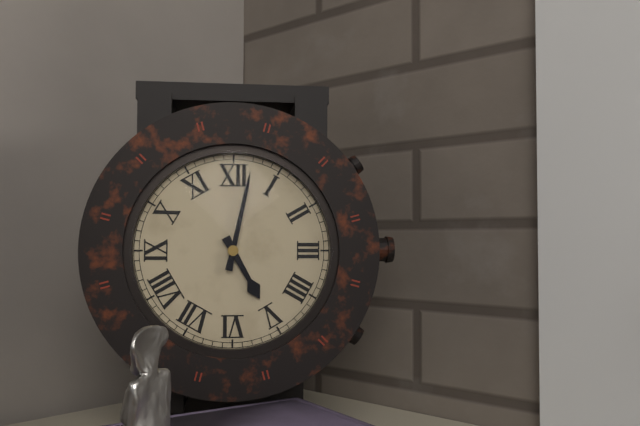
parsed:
5,02
